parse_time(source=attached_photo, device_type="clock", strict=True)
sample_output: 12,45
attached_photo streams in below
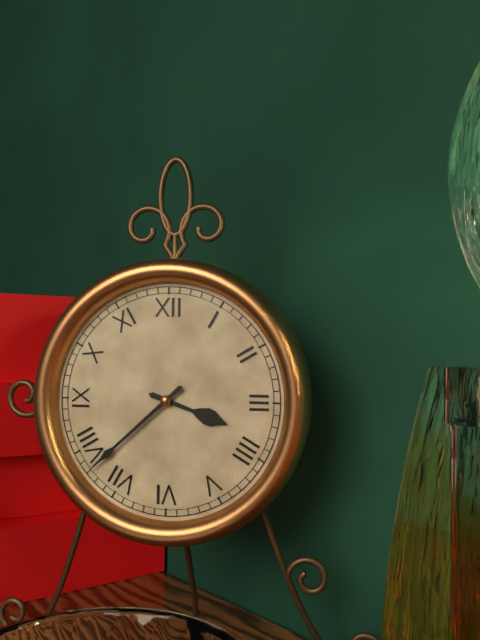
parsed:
3,38
